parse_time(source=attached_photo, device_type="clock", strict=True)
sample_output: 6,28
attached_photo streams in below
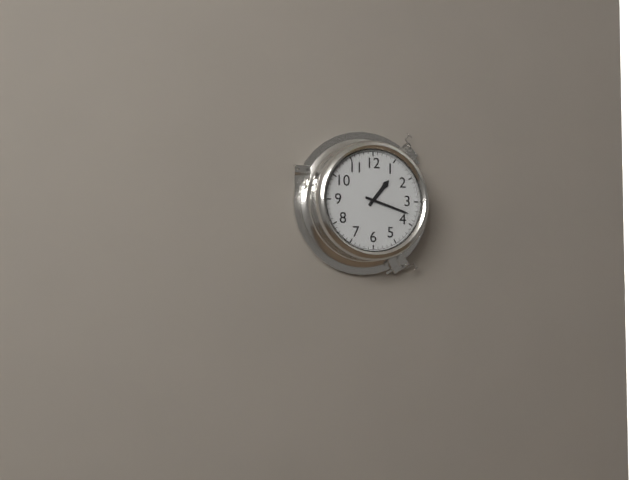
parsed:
1,18
